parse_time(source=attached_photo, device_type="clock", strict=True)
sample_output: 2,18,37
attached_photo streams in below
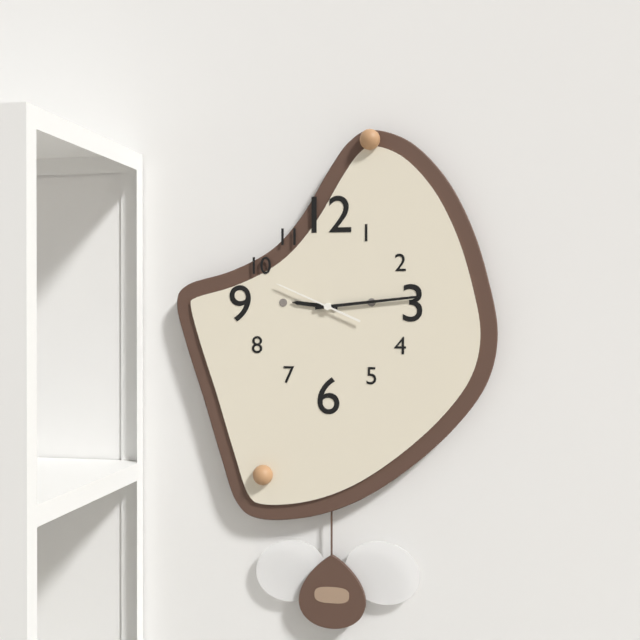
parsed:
9,14,49
